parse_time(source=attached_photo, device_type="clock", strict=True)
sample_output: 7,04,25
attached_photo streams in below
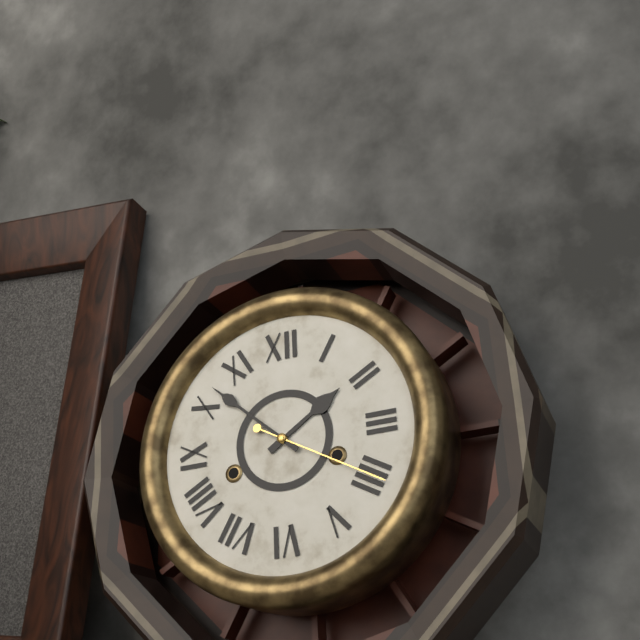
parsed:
1,52,20
